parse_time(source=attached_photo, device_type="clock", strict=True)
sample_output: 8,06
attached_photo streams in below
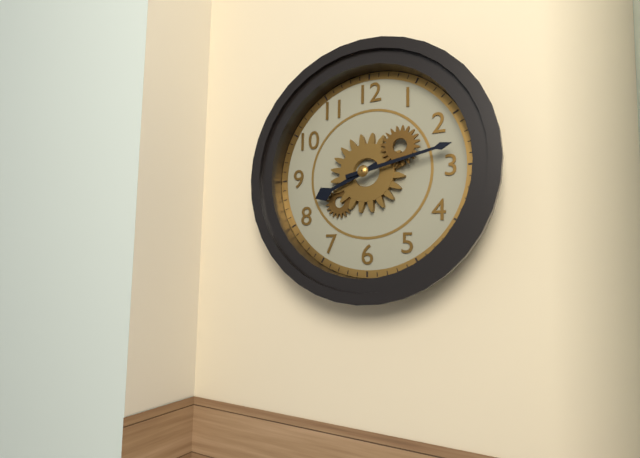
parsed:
8,13
